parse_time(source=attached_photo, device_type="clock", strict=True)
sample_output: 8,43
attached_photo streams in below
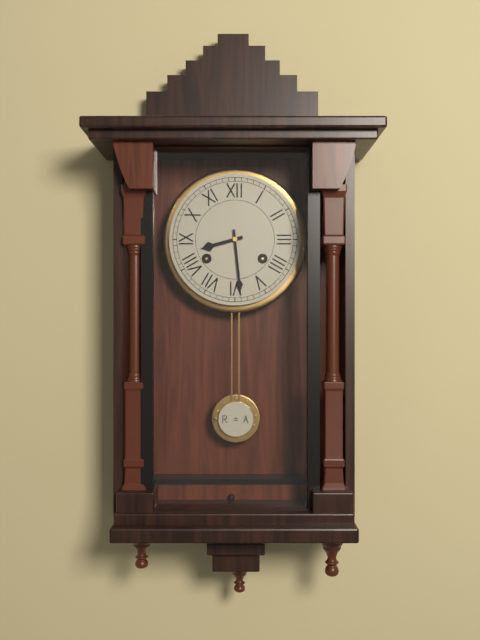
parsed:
8,29
